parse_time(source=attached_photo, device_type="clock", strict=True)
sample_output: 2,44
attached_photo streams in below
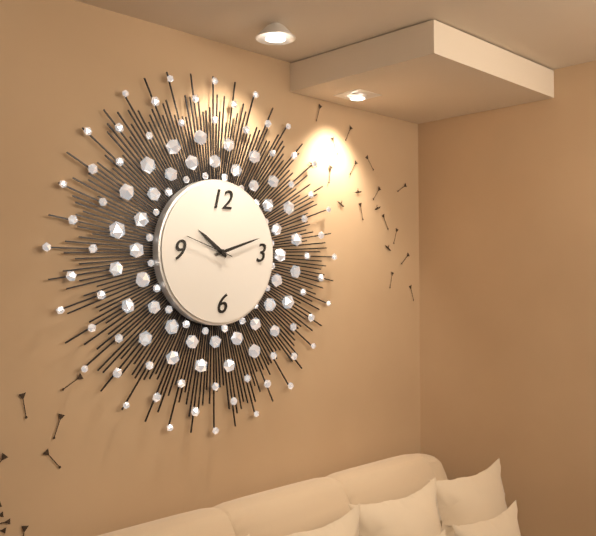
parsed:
10,12
